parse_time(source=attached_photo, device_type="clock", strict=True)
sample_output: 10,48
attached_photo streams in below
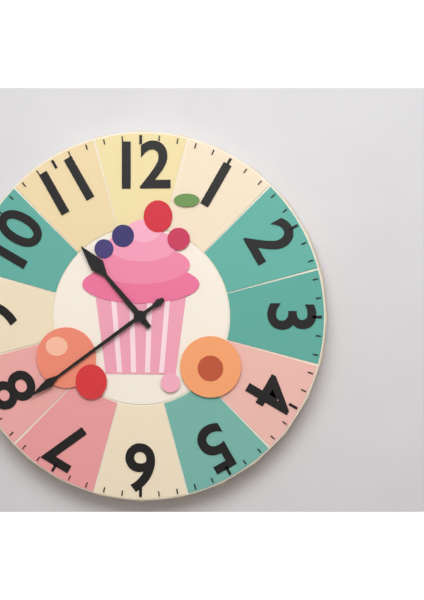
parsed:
10,39
